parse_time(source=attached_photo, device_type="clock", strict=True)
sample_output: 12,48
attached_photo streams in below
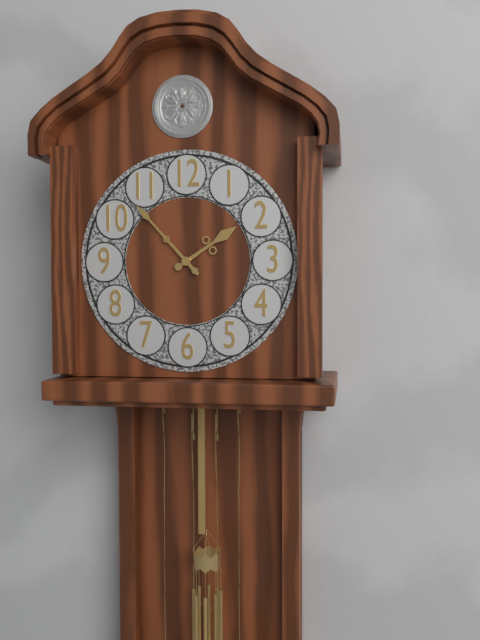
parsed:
1,53
